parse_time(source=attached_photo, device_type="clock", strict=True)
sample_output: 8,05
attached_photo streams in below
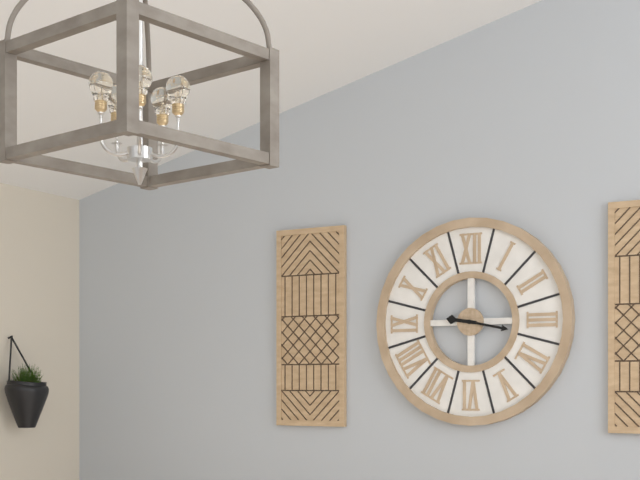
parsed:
9,17
